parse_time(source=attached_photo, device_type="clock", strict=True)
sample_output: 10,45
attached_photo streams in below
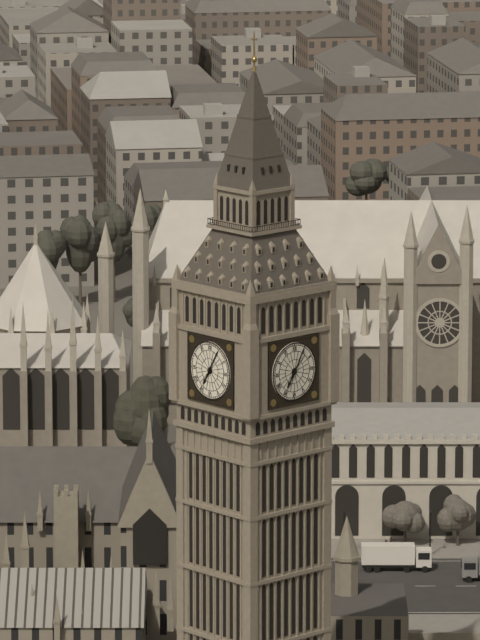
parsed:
7,05
